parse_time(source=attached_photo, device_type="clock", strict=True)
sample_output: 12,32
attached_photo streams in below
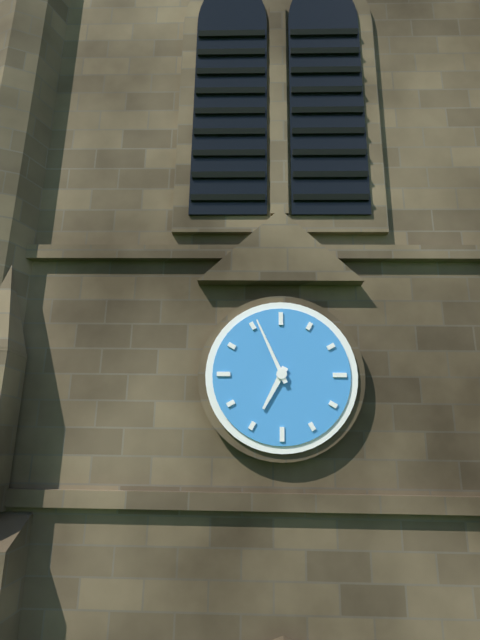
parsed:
6,56
